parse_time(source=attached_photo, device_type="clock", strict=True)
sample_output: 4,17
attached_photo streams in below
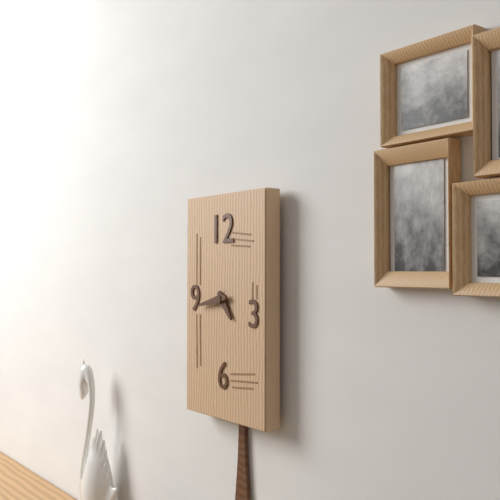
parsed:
4,43
